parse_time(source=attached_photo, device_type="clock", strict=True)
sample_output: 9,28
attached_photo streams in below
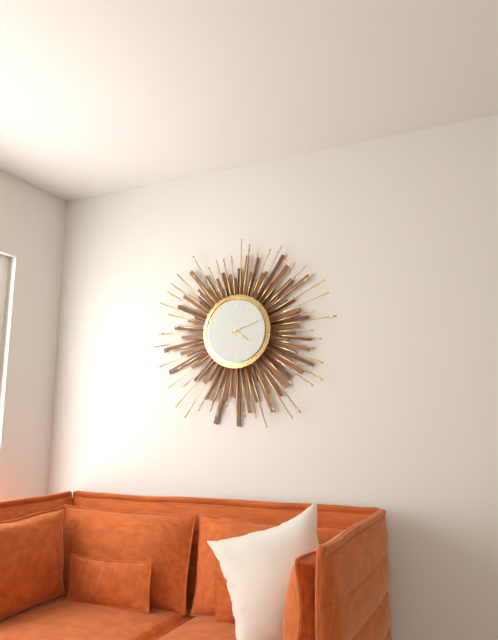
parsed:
4,12
